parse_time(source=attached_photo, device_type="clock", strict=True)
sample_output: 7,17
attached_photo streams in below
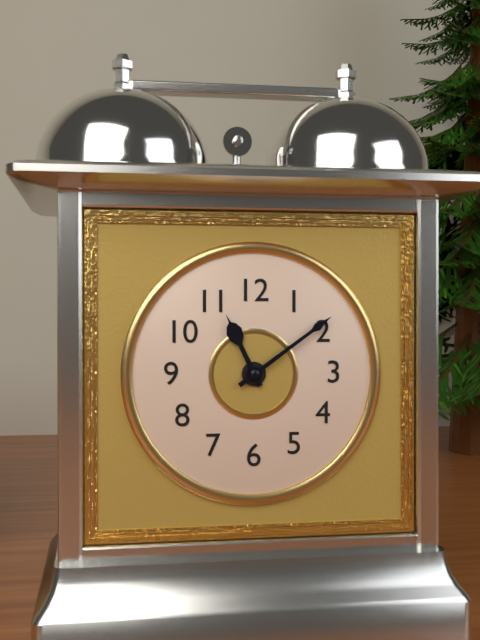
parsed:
11,09
